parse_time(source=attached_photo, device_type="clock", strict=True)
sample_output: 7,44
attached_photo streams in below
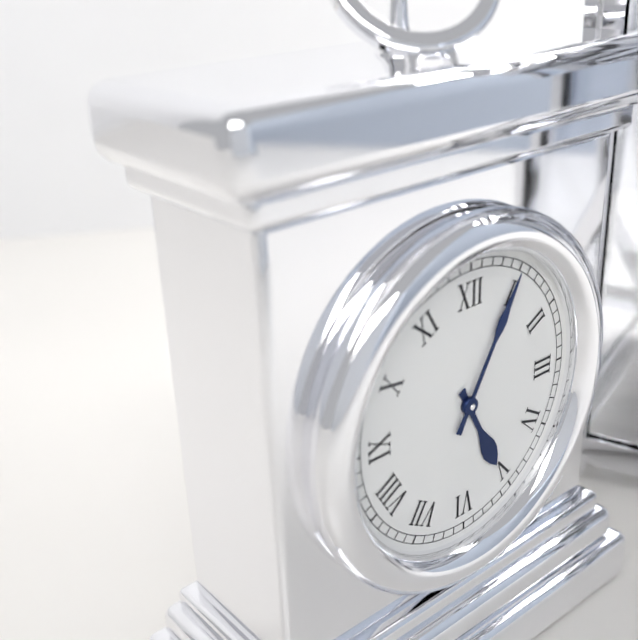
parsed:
5,05
